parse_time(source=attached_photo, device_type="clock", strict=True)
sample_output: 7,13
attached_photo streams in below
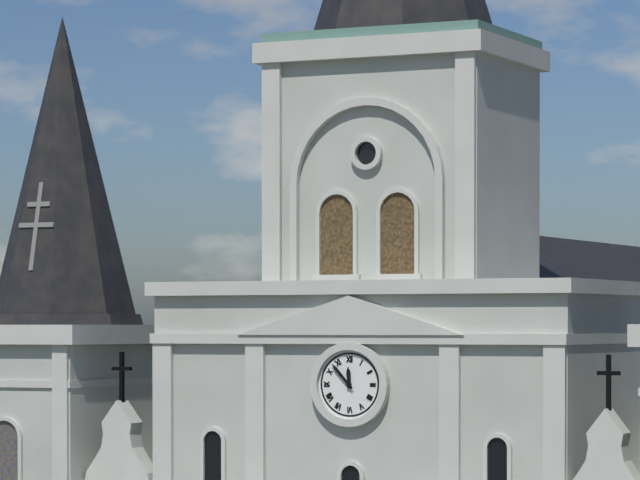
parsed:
11,53
